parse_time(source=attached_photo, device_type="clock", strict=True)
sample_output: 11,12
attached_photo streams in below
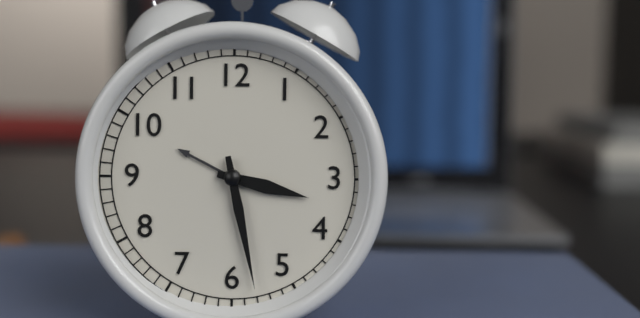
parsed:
3,28
